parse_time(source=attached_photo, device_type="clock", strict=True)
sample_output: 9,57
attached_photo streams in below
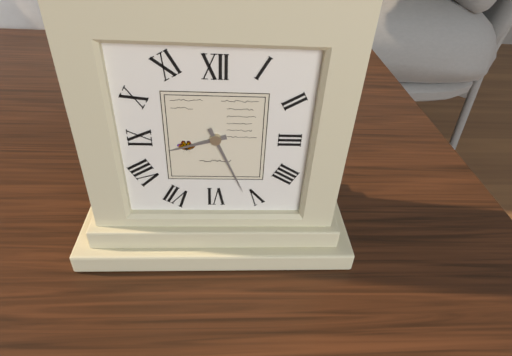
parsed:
8,26
